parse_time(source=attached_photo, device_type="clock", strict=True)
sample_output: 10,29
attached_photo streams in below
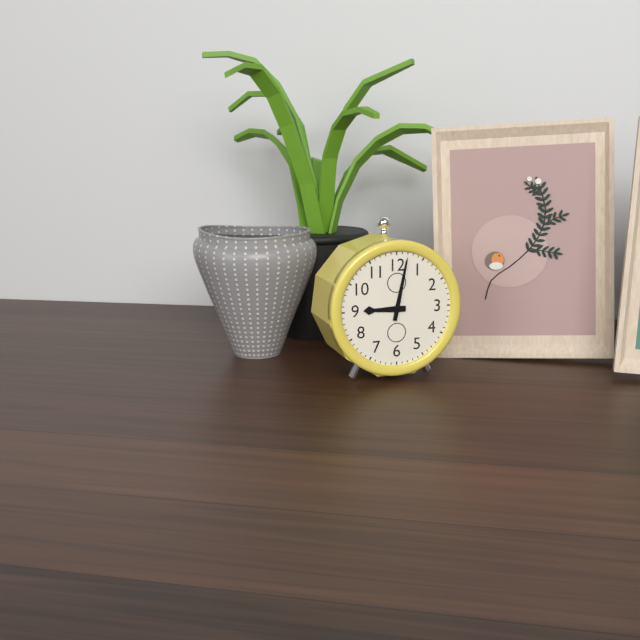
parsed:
9,02
